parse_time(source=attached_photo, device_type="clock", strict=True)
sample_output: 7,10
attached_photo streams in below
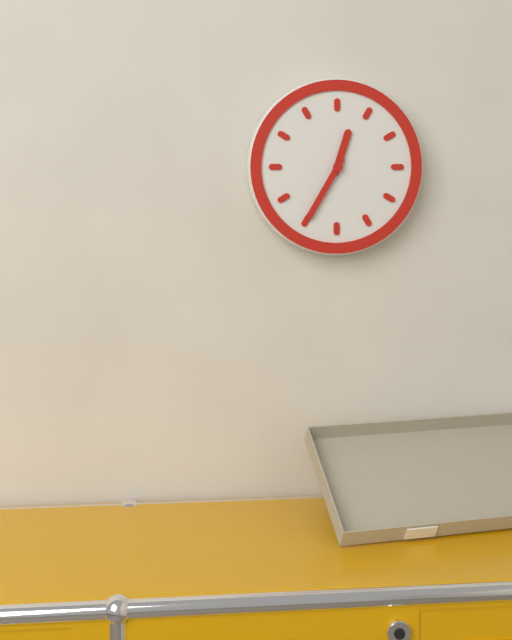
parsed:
12,35
